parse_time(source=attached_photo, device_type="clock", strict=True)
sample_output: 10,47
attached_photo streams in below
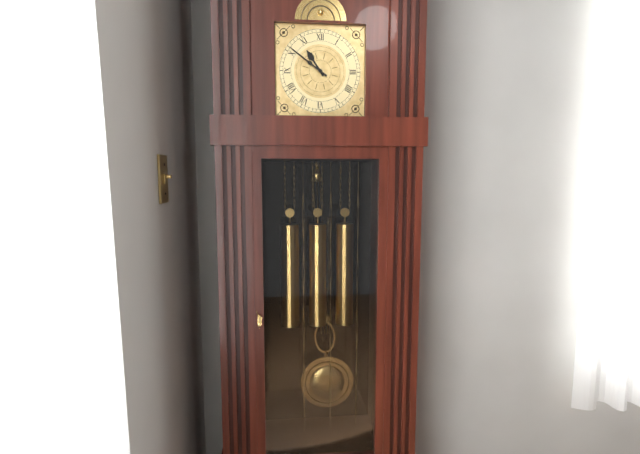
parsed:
10,51
